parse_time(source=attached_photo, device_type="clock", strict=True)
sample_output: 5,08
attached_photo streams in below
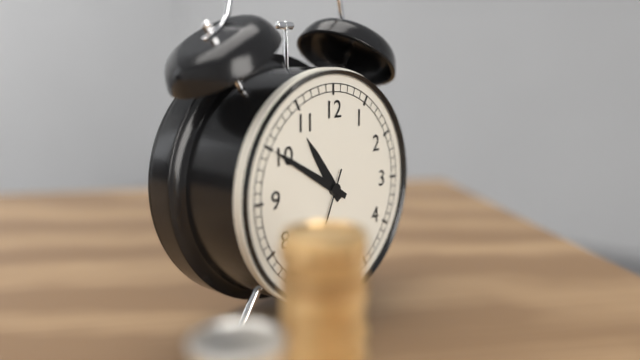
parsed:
10,50
